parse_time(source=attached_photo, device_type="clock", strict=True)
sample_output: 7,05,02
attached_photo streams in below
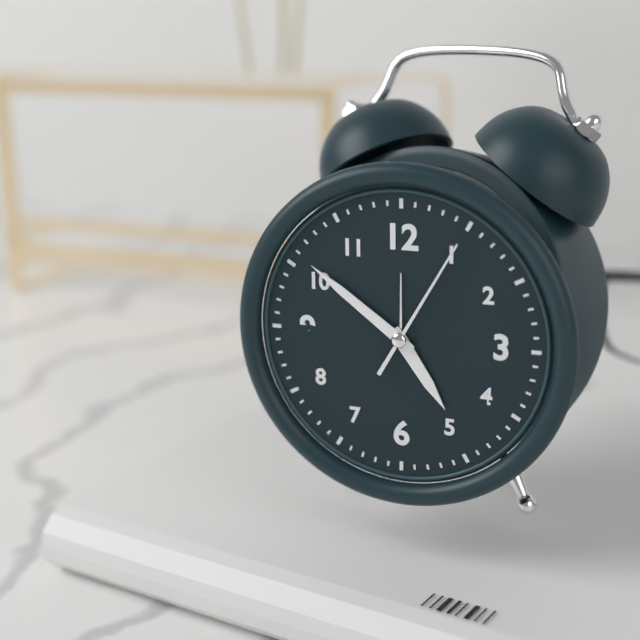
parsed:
4,51,05
